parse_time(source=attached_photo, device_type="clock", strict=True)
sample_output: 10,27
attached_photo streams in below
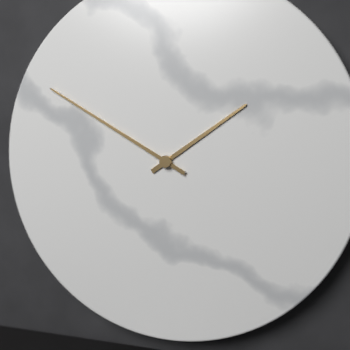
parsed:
1,50
